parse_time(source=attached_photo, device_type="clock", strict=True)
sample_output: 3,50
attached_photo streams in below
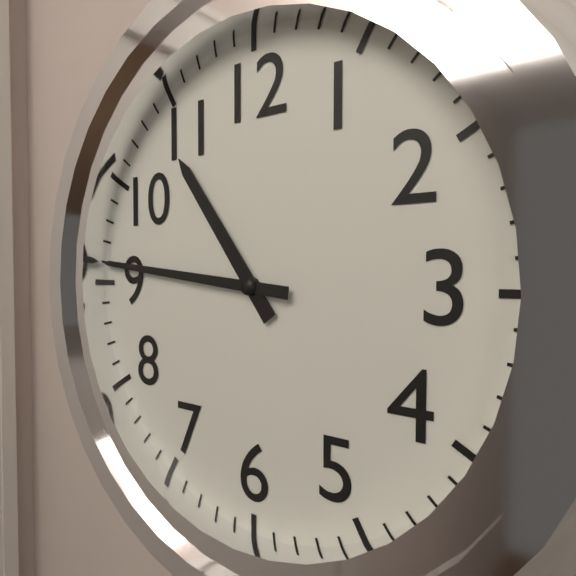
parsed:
10,46
